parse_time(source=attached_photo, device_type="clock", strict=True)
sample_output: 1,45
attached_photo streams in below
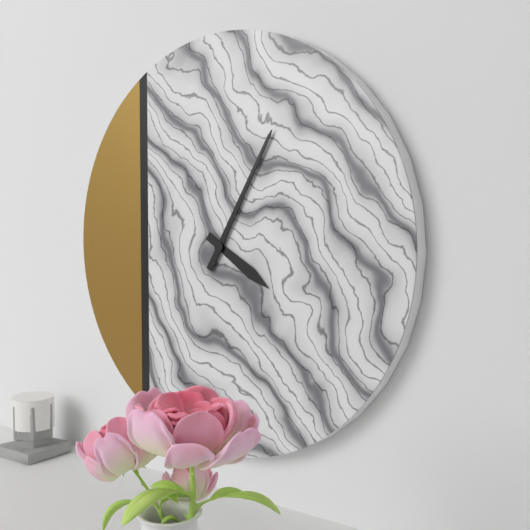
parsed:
4,05
